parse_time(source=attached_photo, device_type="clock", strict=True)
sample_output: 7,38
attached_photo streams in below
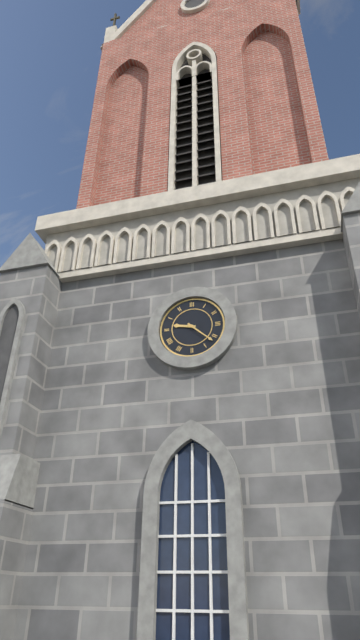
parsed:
9,22
